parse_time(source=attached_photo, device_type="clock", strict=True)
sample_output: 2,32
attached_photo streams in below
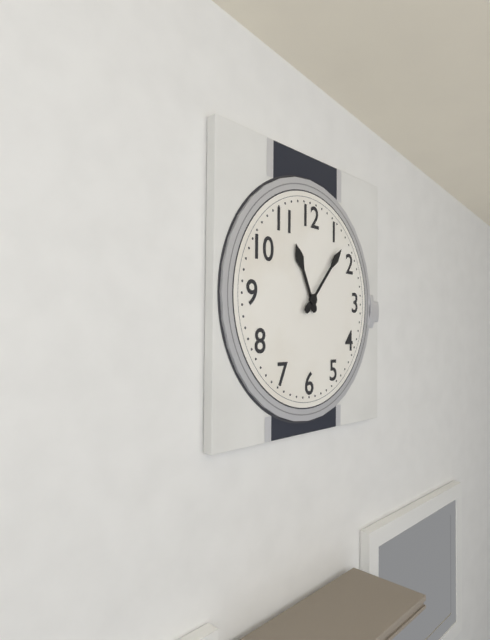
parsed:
11,07
